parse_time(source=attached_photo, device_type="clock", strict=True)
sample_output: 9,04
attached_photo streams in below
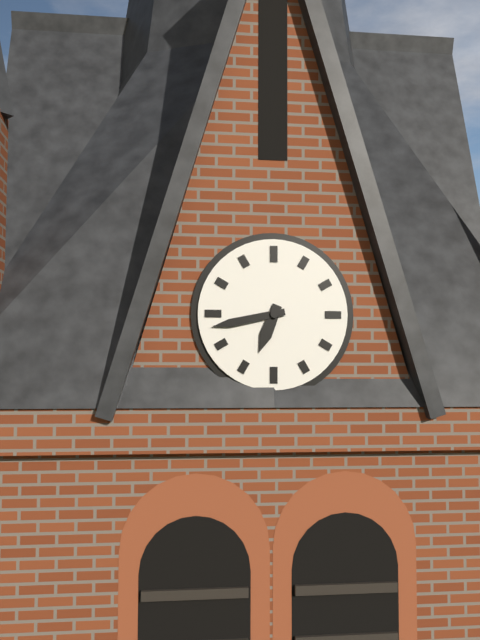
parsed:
6,43
